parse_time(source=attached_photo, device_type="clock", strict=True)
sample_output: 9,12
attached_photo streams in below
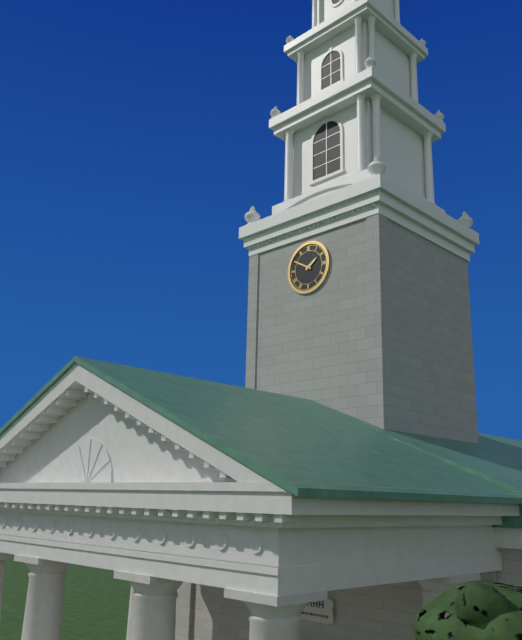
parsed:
1,50
